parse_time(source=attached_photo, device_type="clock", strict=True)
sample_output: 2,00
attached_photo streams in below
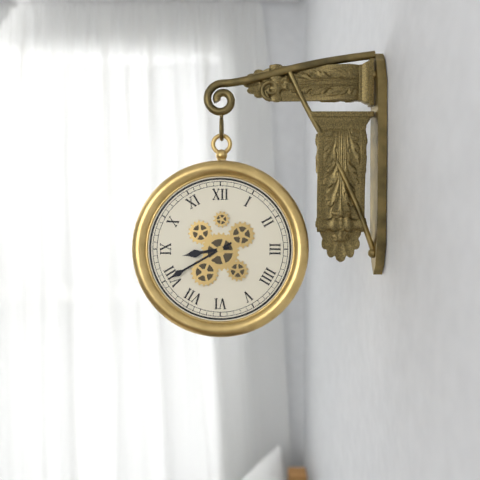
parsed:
8,40
